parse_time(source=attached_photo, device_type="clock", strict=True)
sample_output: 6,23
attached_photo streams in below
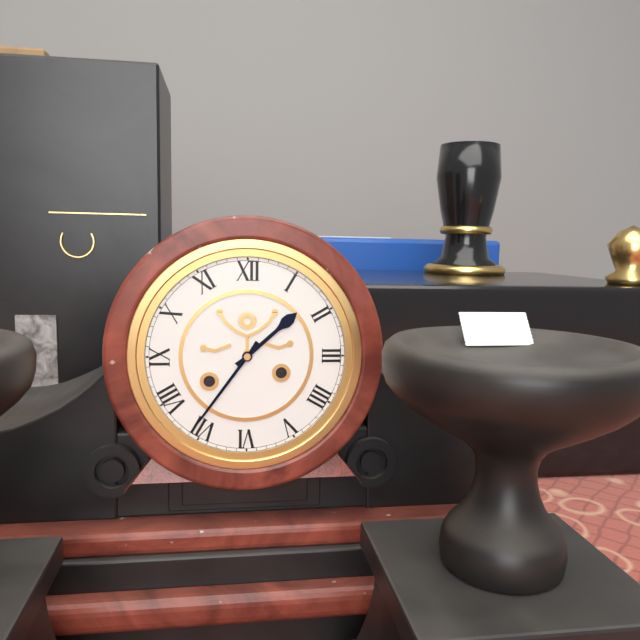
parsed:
1,36
